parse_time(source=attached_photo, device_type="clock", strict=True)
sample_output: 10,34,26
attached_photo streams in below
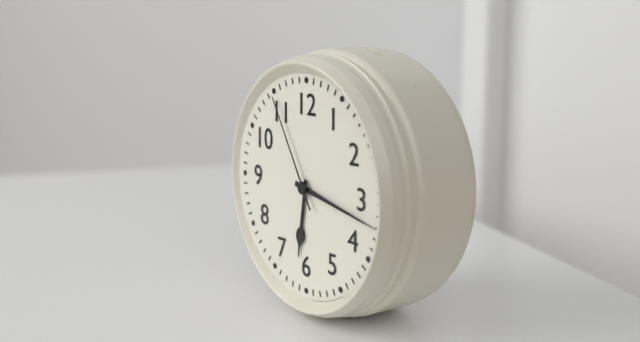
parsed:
6,17,55
